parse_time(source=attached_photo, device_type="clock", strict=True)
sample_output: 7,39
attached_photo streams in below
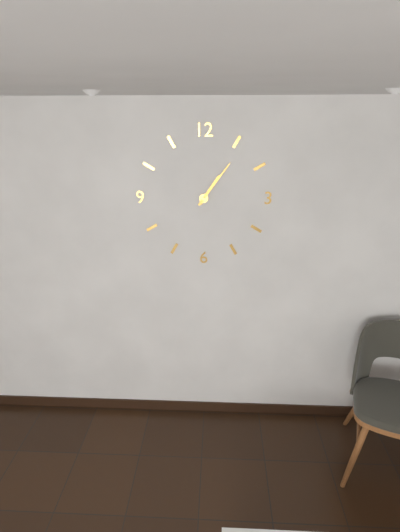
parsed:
1,06
